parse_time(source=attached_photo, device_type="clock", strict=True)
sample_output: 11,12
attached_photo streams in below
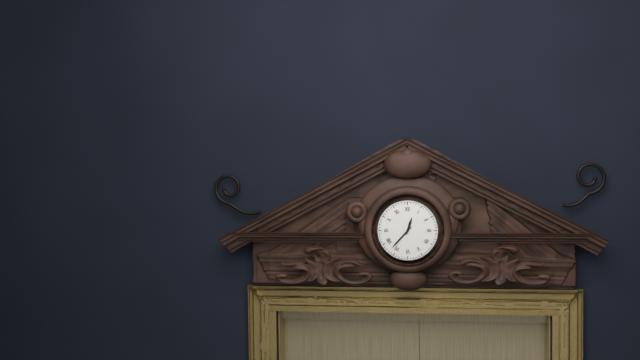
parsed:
12,37
